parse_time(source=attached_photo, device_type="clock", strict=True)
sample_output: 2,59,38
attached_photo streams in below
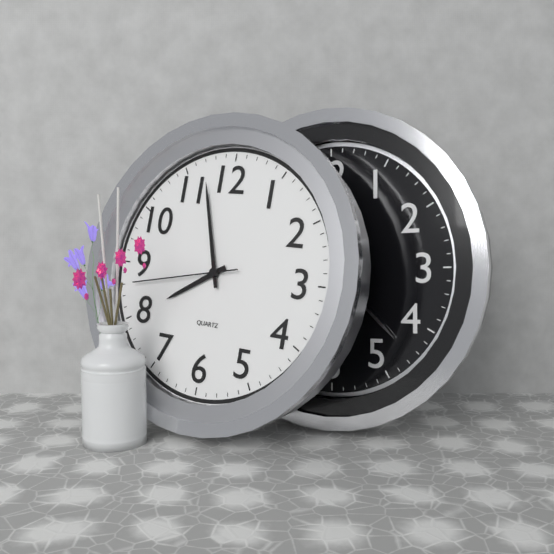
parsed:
7,57,43
